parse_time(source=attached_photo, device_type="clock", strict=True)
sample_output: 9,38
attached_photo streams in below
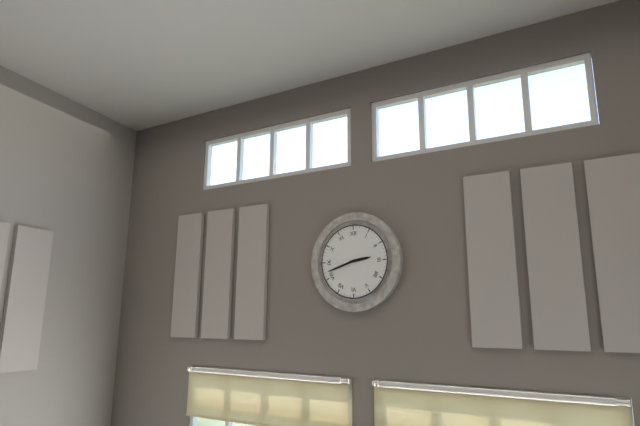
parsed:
2,42
